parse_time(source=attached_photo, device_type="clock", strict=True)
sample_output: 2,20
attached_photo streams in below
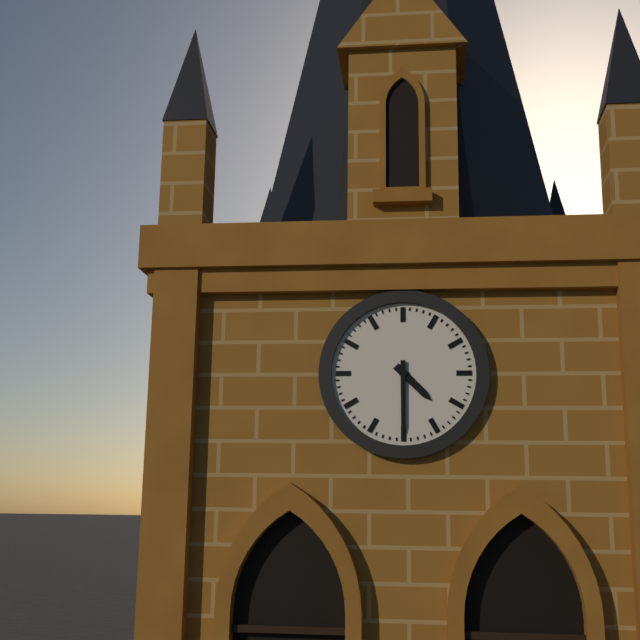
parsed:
4,30
